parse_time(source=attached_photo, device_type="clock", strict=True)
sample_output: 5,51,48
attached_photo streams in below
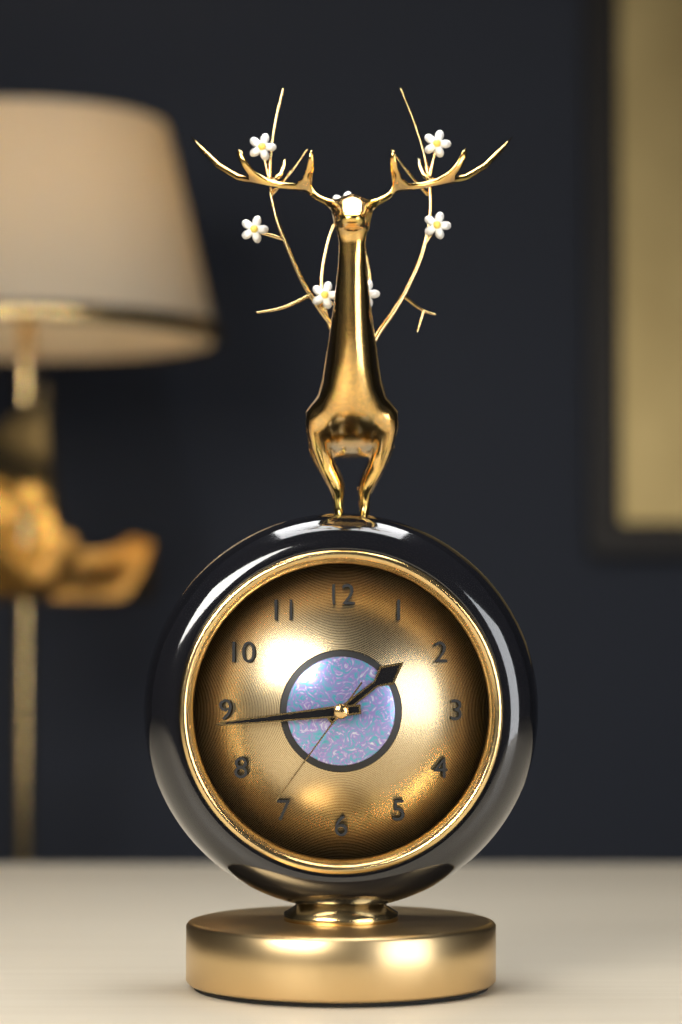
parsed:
1,44,36
